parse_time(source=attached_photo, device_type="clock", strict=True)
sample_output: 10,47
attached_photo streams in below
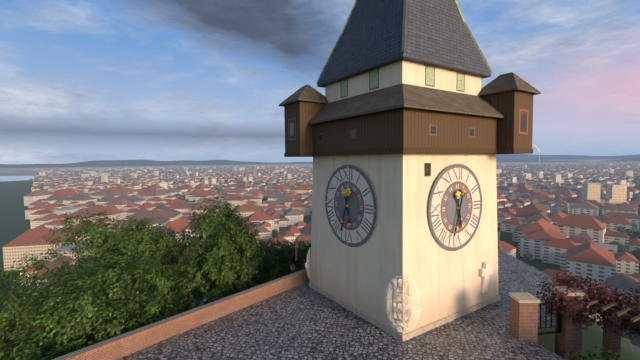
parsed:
5,33
